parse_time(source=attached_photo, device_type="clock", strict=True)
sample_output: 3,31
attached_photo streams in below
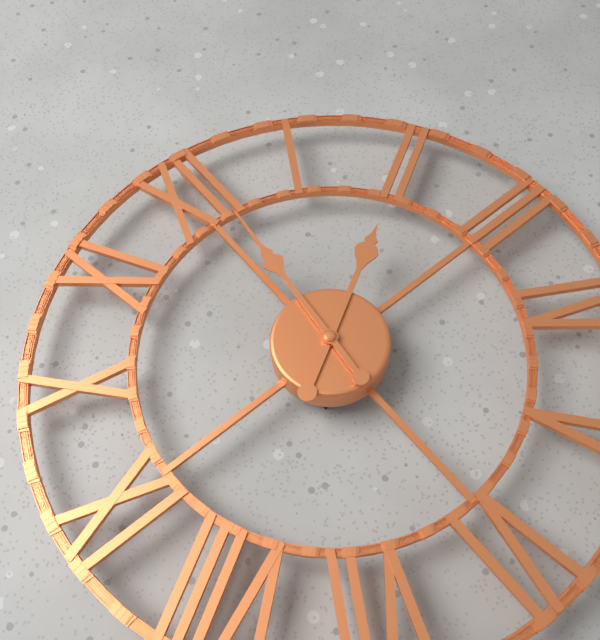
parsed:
2,01
